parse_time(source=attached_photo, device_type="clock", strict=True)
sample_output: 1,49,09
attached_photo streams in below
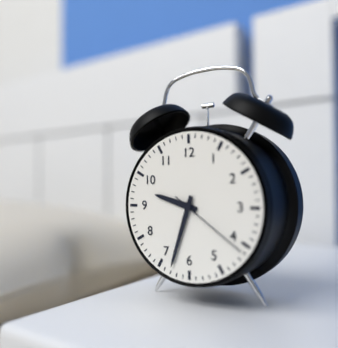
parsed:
9,33,21
